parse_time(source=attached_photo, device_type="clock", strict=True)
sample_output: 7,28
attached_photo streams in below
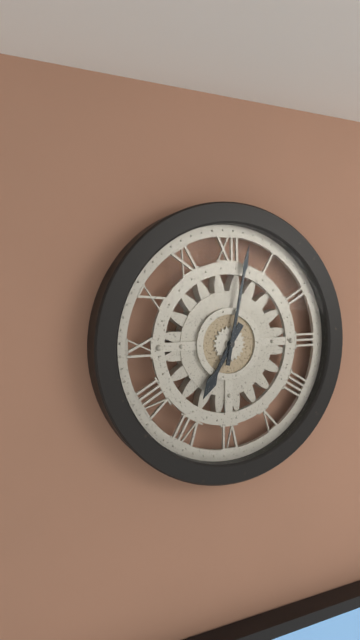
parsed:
7,02
